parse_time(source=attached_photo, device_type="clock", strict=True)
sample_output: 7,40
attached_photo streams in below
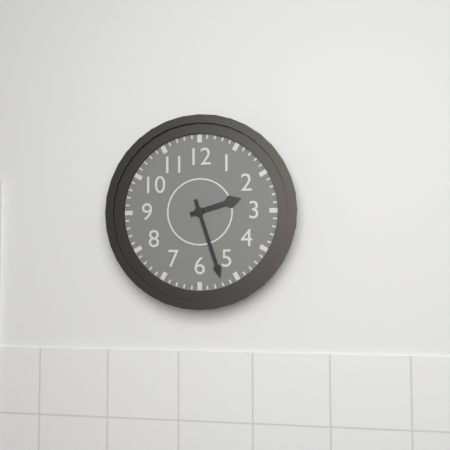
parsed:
2,27
